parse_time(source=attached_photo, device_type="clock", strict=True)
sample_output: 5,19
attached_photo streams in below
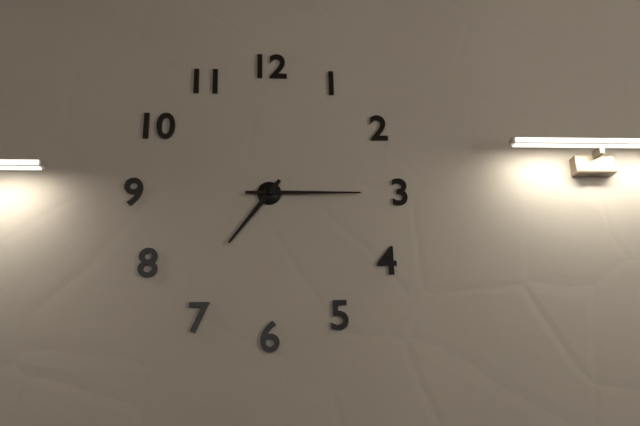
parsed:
7,15
